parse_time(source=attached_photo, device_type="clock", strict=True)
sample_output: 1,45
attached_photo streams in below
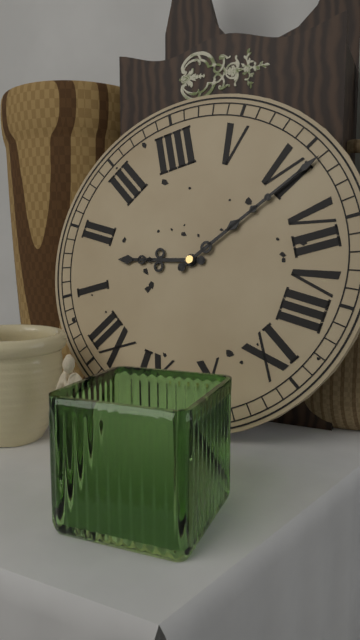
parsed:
1,31
